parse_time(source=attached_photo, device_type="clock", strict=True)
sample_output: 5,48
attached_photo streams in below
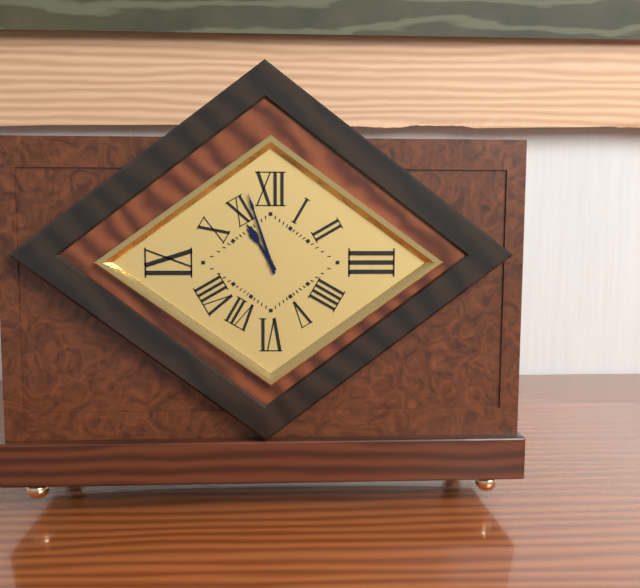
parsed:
10,57
